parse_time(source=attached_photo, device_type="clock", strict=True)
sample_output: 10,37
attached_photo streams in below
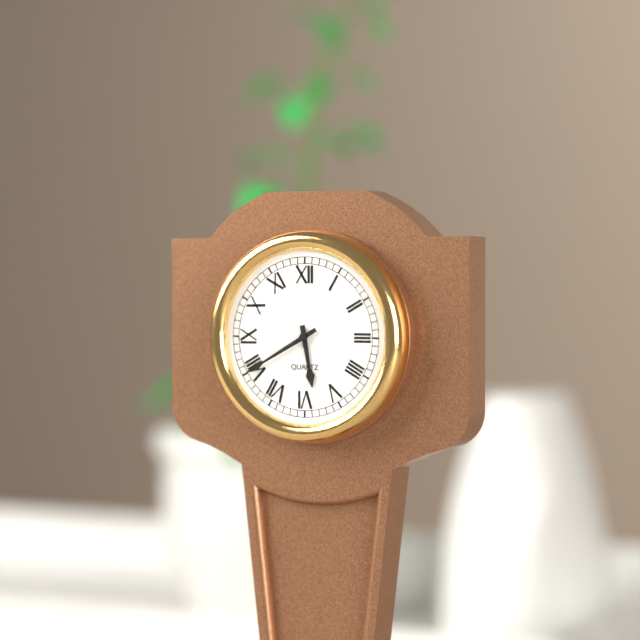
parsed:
5,40
